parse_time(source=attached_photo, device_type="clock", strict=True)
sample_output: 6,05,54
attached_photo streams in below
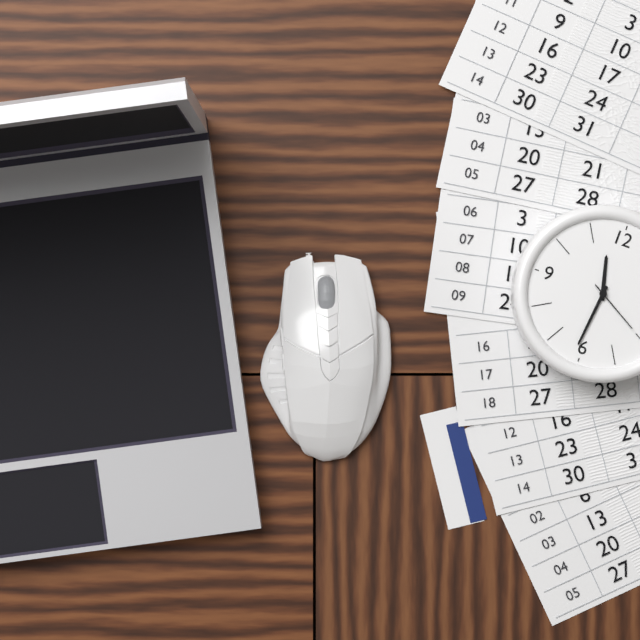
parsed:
11,31,20
